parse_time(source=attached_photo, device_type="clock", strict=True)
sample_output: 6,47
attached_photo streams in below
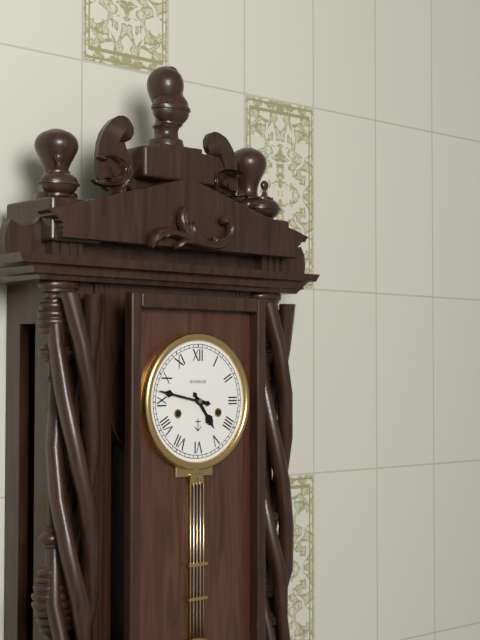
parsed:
4,47
